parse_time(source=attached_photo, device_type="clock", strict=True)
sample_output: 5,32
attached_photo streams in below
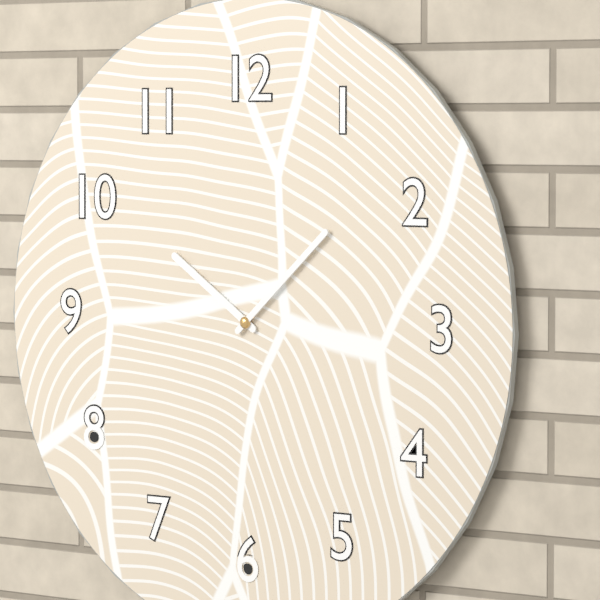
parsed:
10,08
